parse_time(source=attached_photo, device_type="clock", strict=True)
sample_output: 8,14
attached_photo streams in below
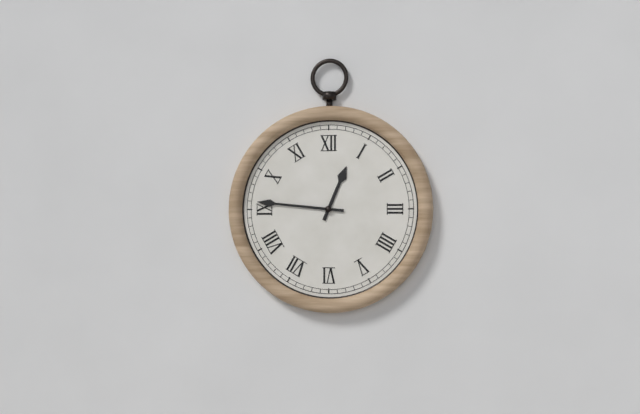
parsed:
12,46
